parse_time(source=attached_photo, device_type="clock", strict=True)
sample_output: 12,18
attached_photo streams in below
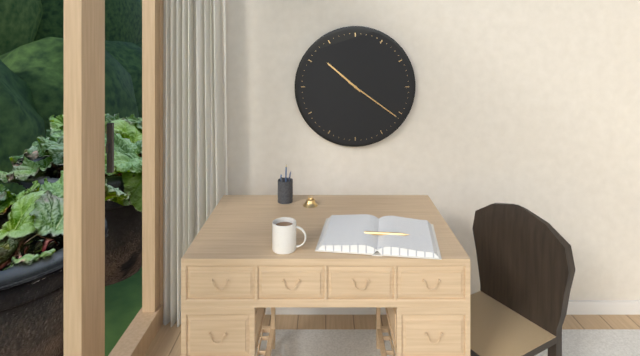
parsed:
10,21
